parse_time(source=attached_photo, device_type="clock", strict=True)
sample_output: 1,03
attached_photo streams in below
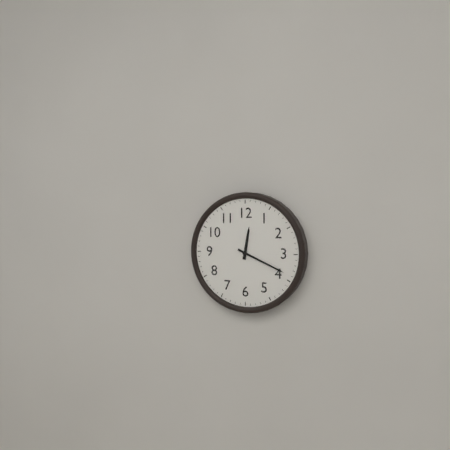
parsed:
12,19
